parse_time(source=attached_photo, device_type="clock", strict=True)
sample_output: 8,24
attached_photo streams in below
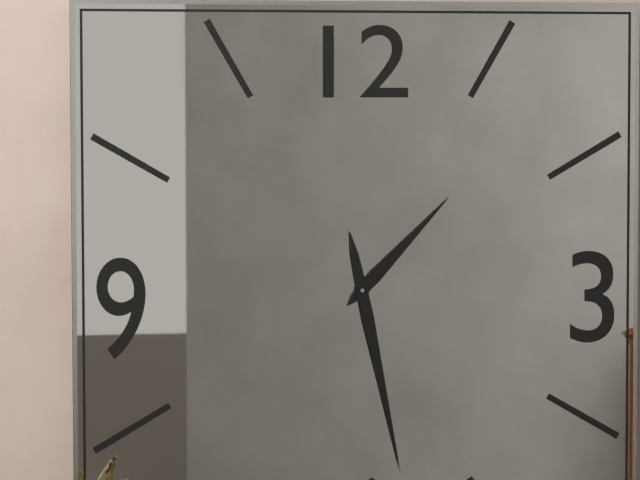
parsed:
1,28
